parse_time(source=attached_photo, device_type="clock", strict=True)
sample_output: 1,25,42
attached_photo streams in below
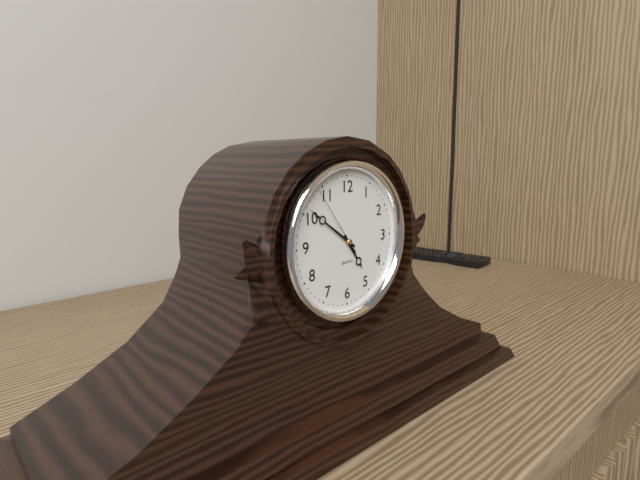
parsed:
4,51,54
